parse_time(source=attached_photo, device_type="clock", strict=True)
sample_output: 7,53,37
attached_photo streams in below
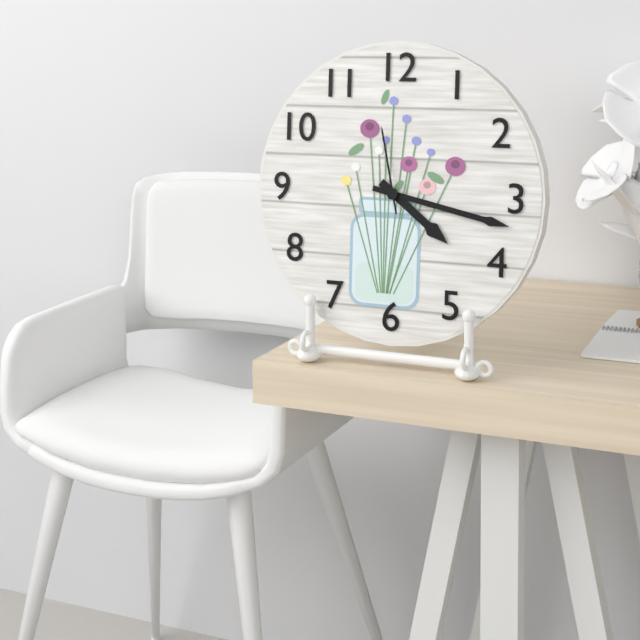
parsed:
4,17,58
